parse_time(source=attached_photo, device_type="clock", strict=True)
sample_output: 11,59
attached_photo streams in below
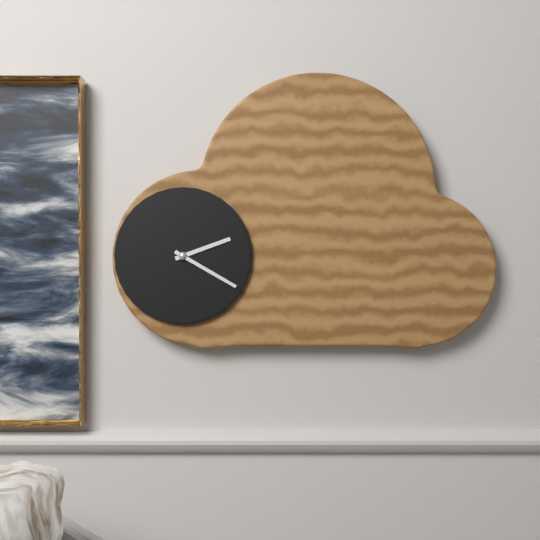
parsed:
2,20
